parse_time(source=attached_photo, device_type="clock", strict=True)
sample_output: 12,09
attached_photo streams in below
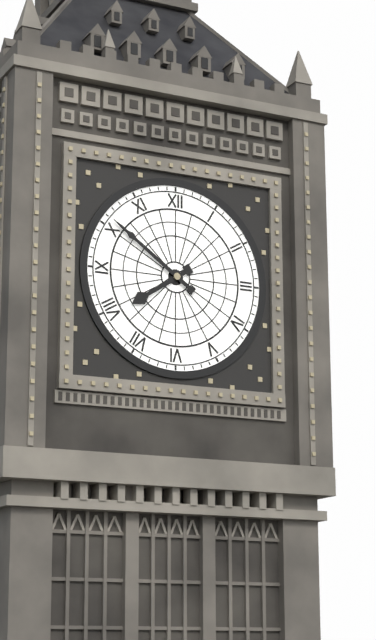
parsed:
7,51
